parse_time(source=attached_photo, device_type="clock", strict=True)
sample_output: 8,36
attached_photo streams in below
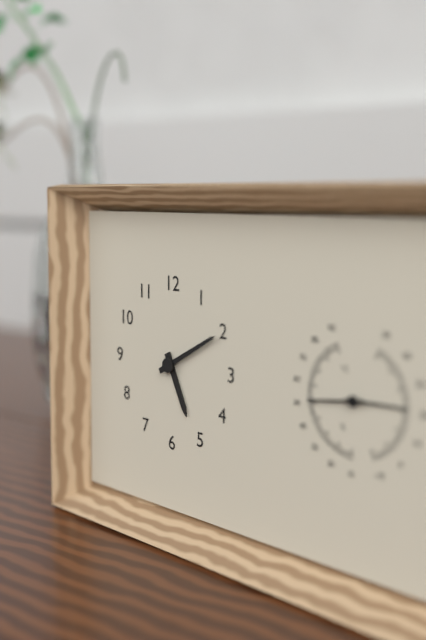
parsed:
5,10
